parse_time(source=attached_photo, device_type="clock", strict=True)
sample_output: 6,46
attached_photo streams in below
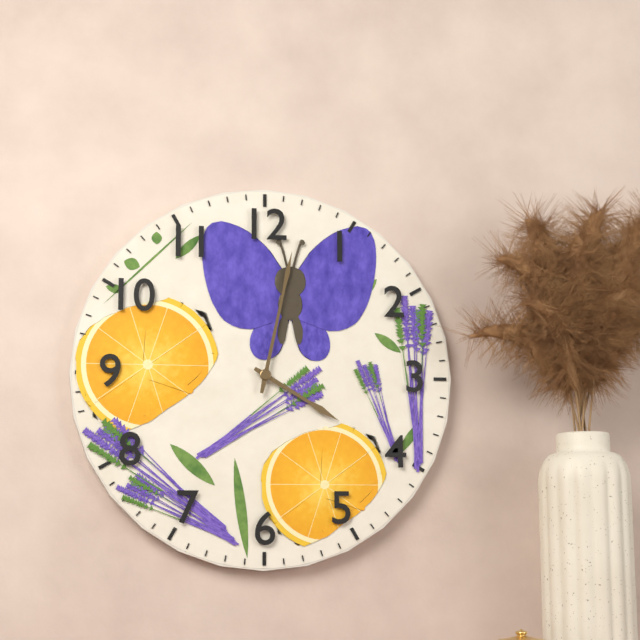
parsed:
4,02
